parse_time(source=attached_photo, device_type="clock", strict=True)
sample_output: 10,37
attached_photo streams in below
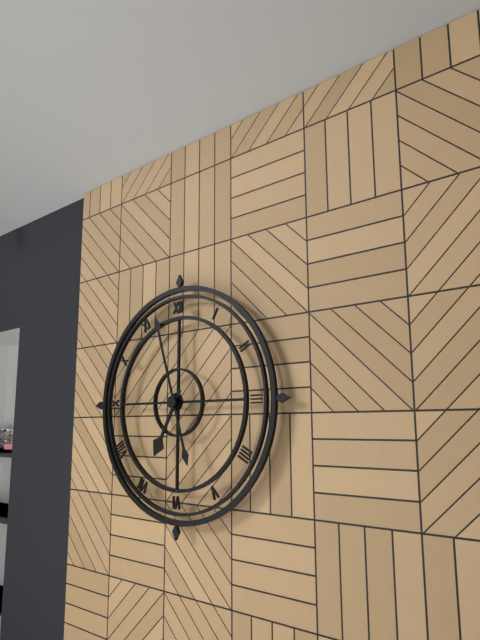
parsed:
6,57
